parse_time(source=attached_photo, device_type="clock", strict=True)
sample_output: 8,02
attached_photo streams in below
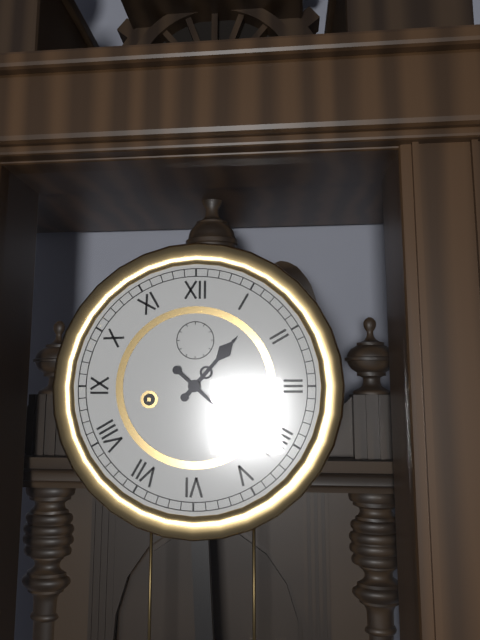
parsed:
1,22
